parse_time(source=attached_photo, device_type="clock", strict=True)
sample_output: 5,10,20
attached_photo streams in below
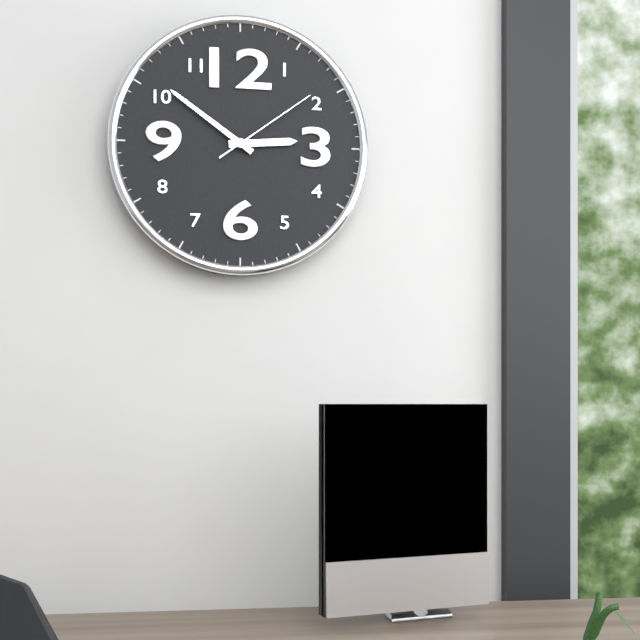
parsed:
2,51,09
